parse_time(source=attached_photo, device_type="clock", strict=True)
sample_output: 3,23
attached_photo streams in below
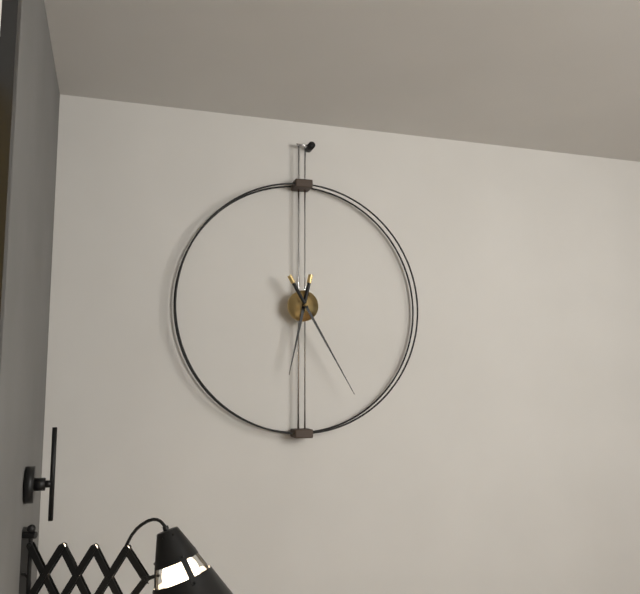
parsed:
6,25
